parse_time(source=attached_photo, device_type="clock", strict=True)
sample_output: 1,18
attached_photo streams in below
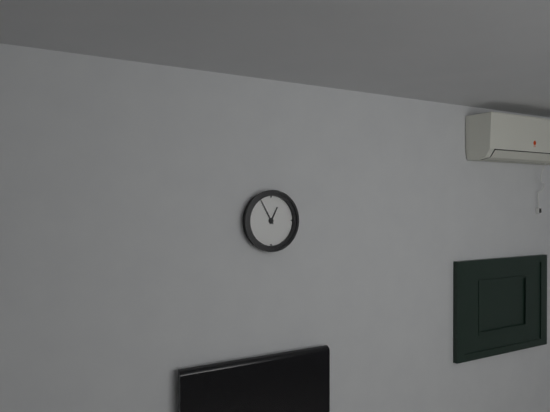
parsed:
12,55
